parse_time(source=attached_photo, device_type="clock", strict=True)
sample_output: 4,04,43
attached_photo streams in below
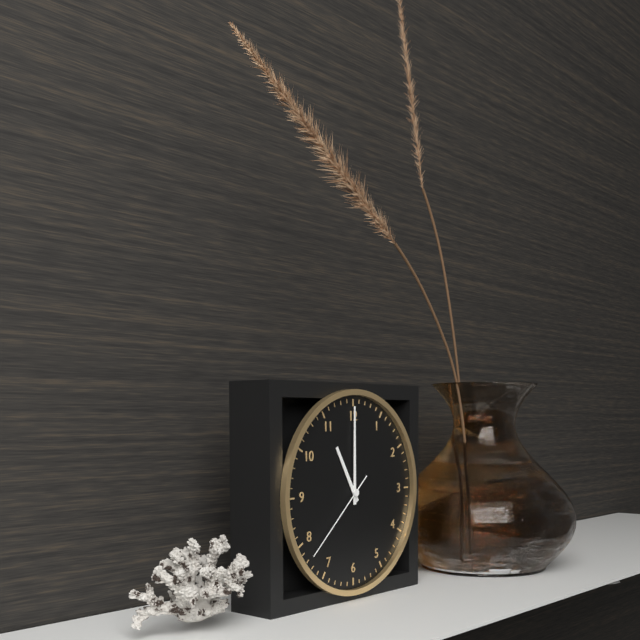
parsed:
11,00,38
